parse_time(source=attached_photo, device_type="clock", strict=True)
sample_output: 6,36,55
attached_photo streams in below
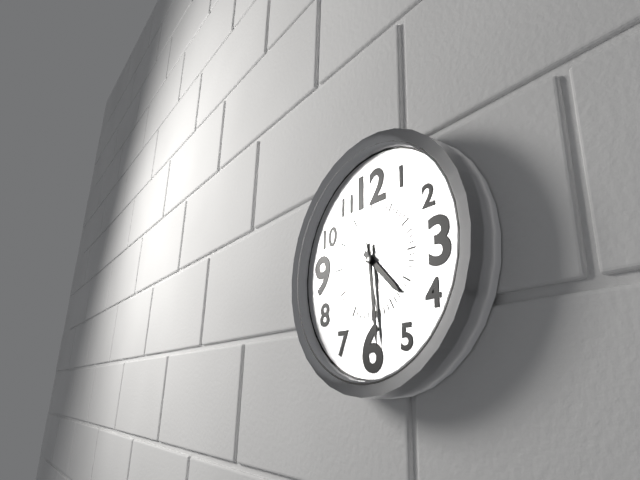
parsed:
4,29,28
